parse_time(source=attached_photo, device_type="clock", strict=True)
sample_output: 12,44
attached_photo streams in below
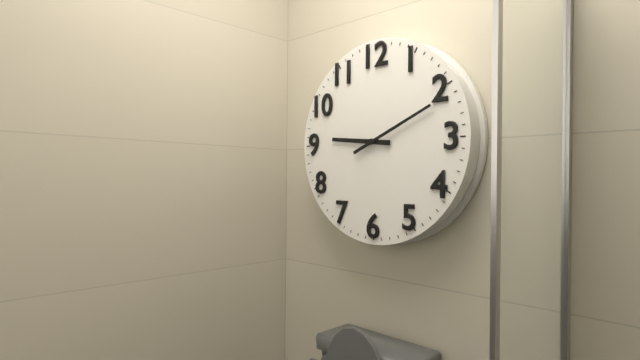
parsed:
9,11
